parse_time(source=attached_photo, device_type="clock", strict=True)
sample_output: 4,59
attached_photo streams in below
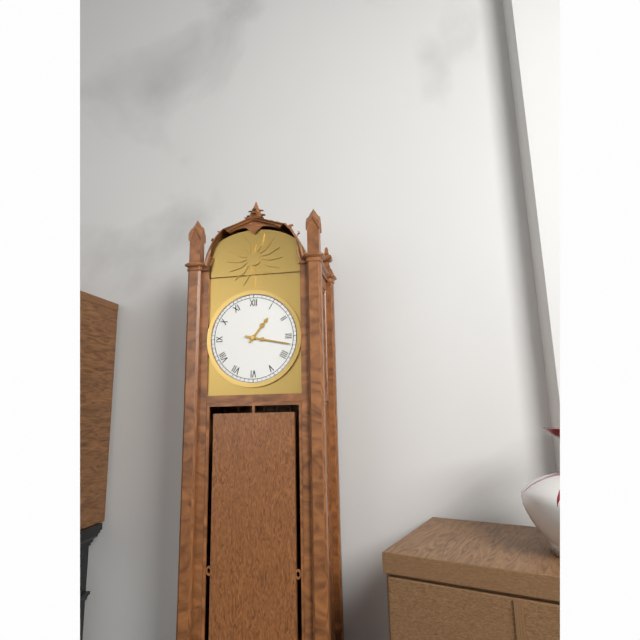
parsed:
1,17
